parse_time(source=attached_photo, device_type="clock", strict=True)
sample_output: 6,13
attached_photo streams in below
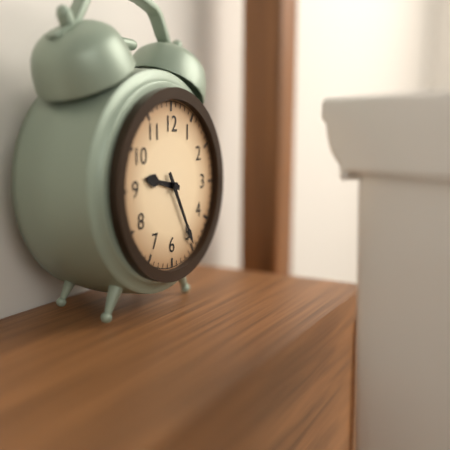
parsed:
9,25
